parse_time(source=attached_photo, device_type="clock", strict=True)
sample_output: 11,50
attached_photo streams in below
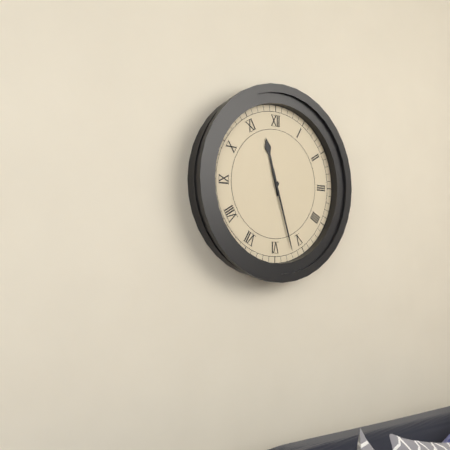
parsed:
11,27
